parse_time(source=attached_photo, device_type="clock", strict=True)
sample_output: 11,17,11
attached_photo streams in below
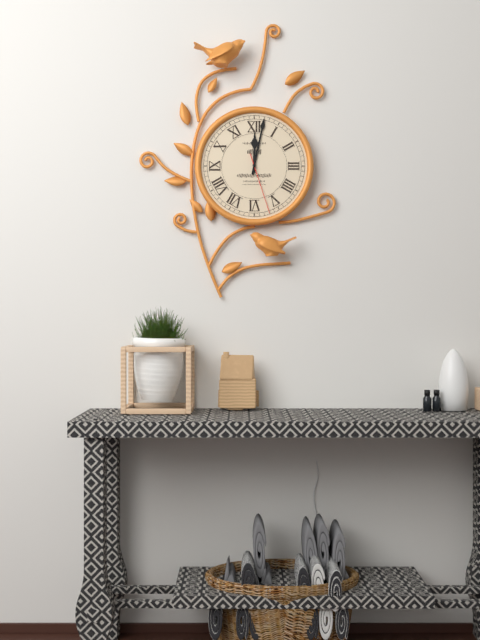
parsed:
12,02,27
